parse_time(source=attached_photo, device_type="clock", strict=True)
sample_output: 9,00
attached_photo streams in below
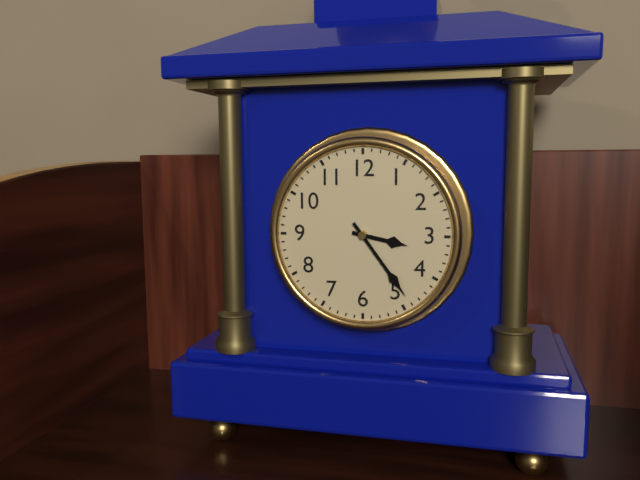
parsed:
3,24
